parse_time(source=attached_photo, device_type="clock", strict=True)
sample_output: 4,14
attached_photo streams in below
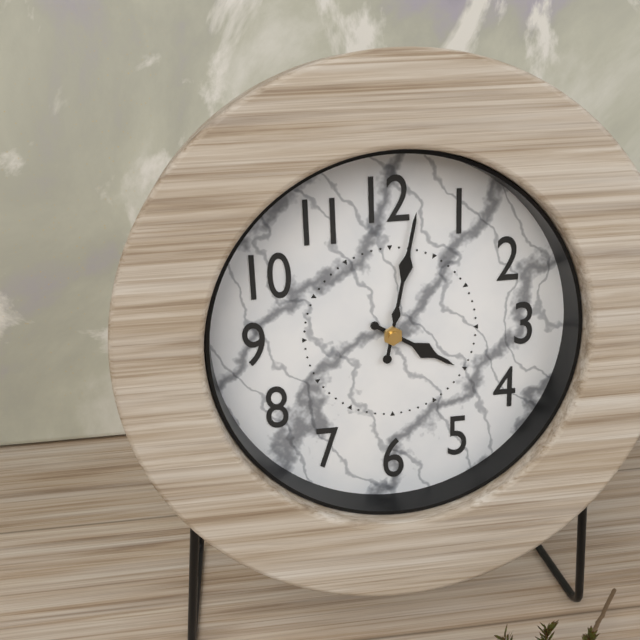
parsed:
4,02
